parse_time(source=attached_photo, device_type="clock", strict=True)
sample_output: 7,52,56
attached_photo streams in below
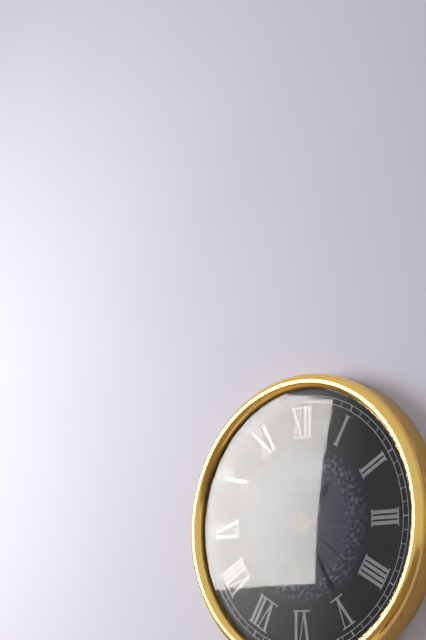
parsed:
1,25,21
